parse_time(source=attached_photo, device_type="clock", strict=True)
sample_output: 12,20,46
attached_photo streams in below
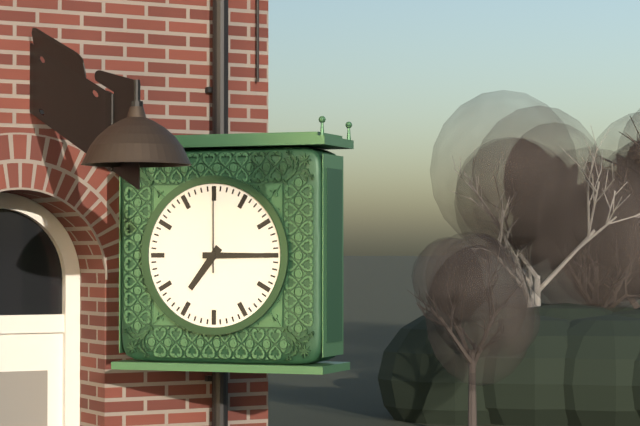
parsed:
7,15,00
